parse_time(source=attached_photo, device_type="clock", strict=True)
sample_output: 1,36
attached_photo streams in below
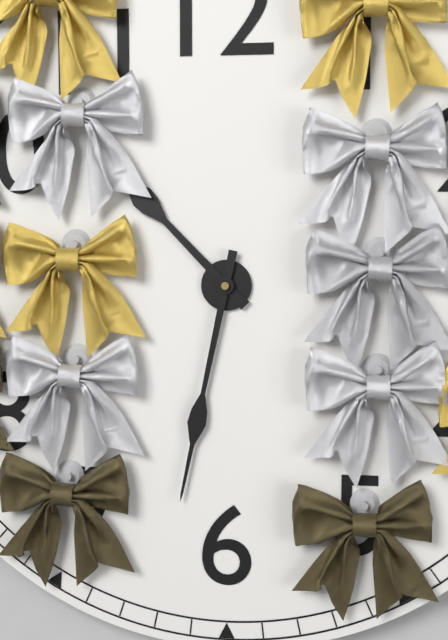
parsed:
10,32
